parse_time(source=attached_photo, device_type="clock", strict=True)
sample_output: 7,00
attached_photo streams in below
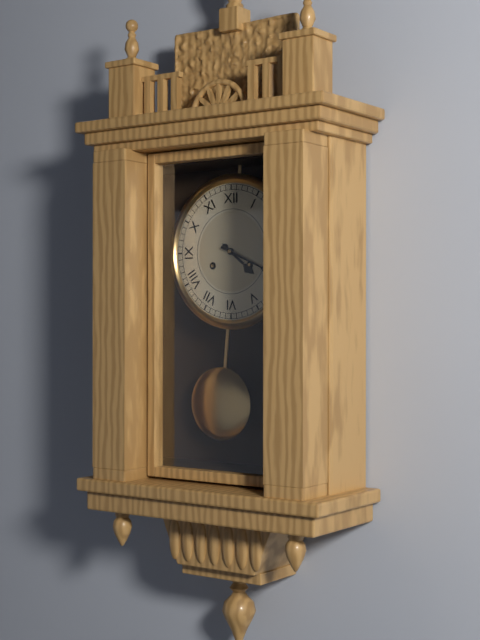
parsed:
4,19
